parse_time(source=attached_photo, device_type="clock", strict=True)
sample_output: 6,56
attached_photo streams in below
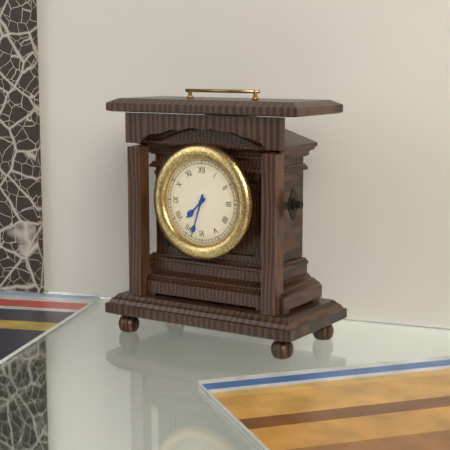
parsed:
7,33
